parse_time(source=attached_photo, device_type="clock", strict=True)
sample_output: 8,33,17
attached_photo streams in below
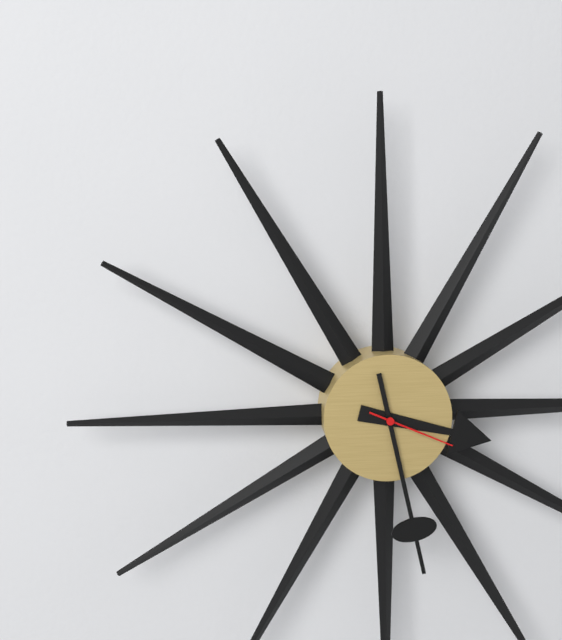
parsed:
3,28,19
